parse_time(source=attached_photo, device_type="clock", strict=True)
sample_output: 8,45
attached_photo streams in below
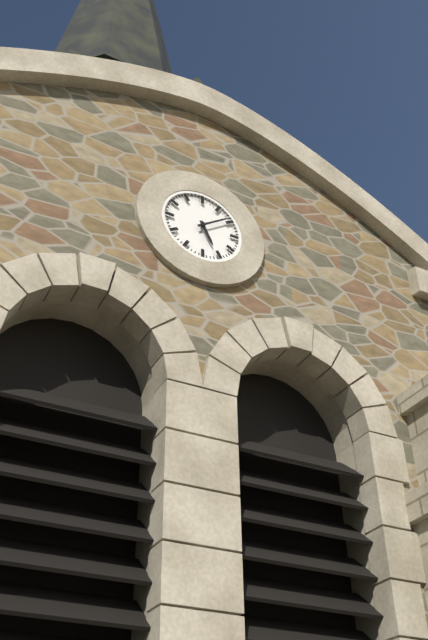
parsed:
5,09
